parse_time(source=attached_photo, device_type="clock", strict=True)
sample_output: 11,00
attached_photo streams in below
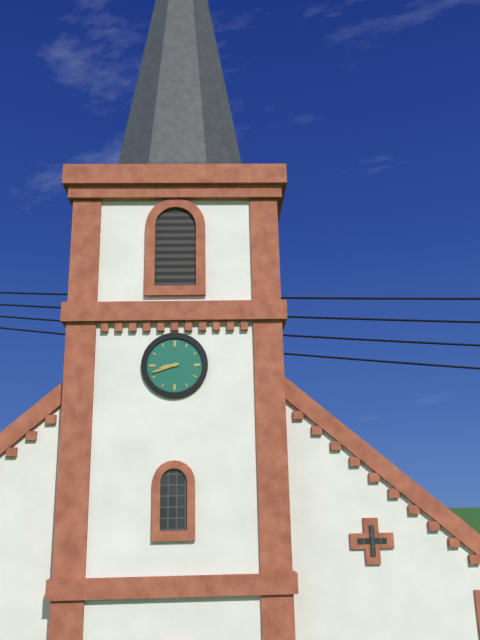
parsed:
8,42
